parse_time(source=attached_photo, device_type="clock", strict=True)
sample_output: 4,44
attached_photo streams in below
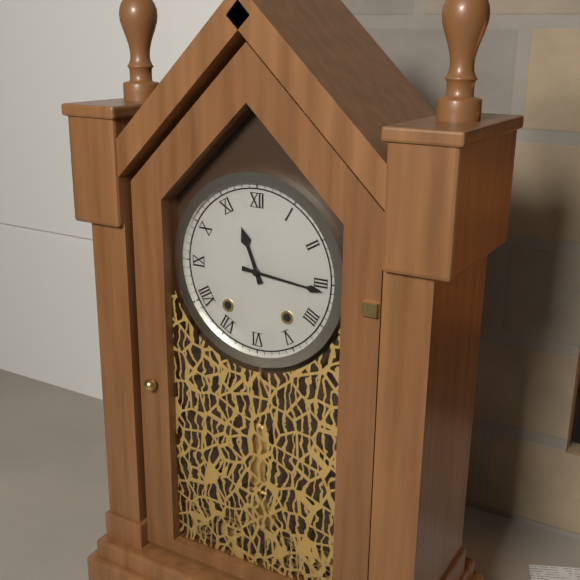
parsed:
11,16
